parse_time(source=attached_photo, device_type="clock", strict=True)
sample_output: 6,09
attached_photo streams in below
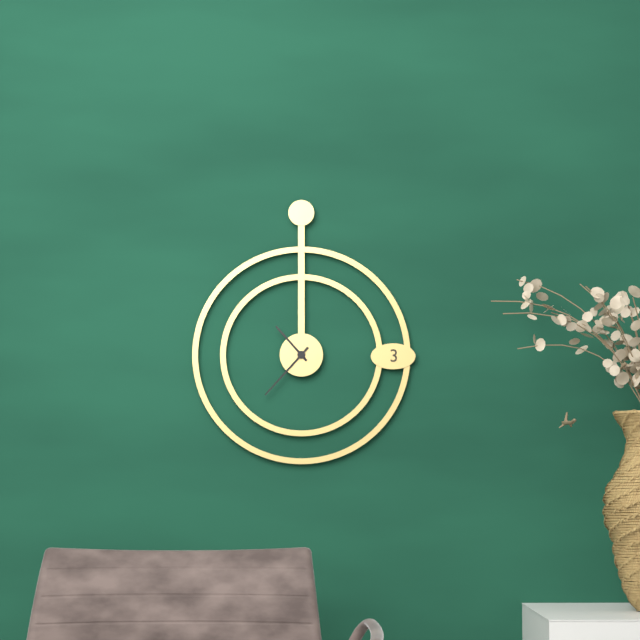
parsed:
10,37
